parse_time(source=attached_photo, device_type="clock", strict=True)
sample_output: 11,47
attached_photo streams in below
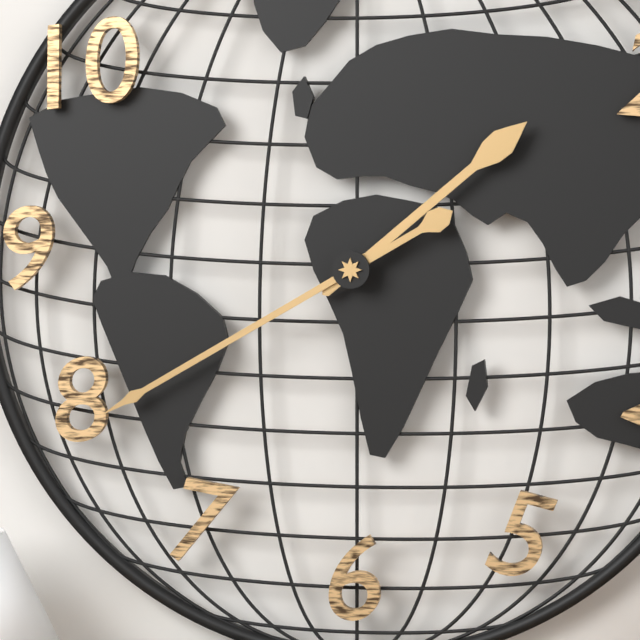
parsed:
1,40
